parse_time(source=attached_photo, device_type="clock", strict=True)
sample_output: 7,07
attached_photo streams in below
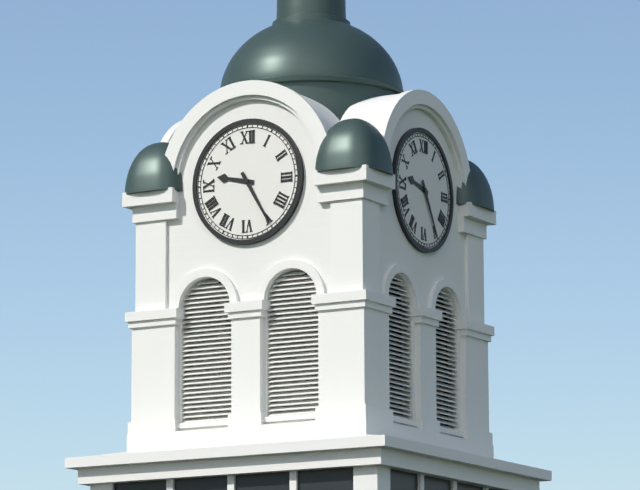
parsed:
9,25
